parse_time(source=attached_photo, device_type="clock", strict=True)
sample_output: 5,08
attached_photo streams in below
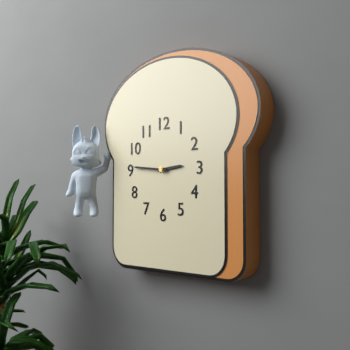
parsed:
2,46
